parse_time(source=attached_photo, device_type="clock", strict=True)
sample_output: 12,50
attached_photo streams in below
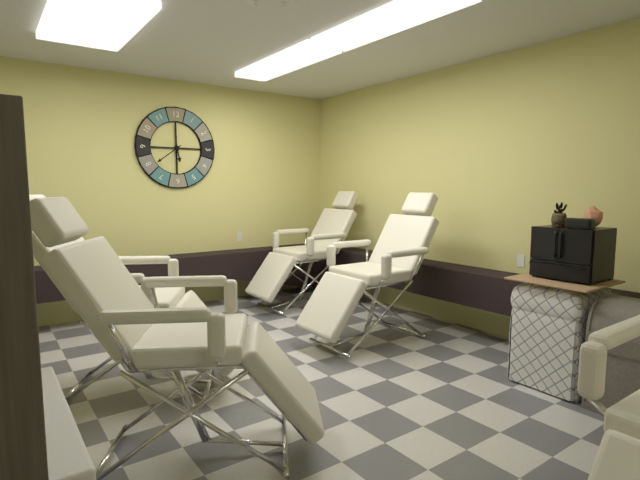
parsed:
5,39
